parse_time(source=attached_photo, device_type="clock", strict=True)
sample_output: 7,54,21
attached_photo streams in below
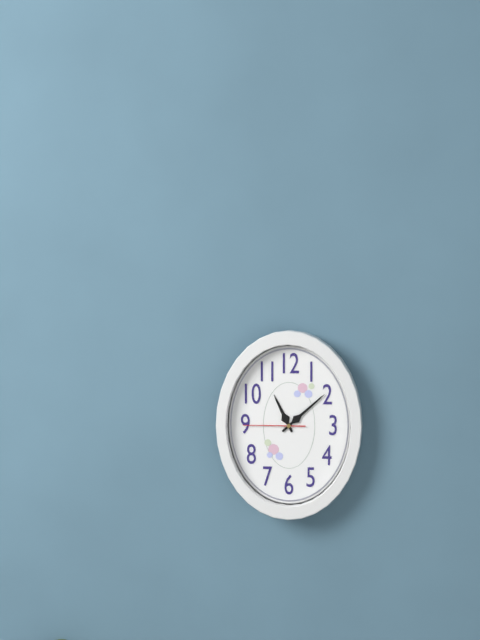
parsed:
11,08,45
